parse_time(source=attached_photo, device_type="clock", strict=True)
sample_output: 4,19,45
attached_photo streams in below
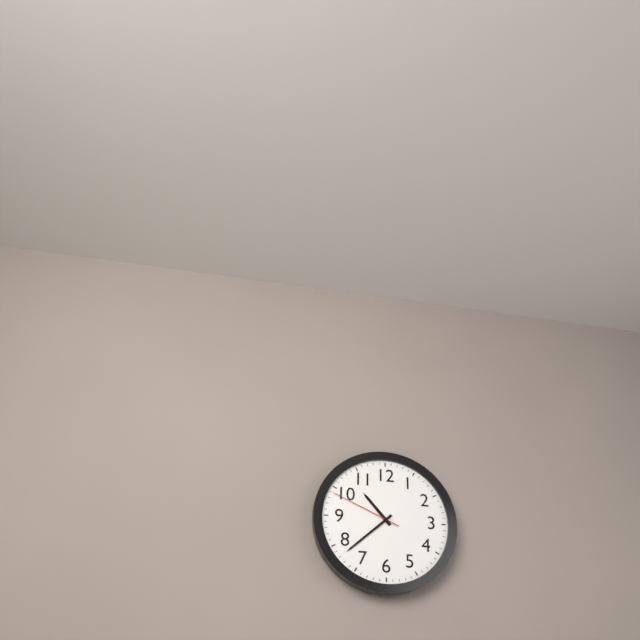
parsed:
10,38,49
